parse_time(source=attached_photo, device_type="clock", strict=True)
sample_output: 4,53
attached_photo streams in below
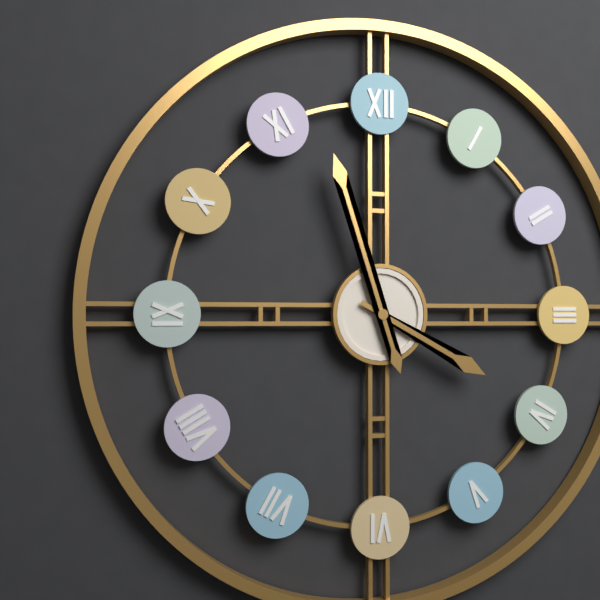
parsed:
3,57
